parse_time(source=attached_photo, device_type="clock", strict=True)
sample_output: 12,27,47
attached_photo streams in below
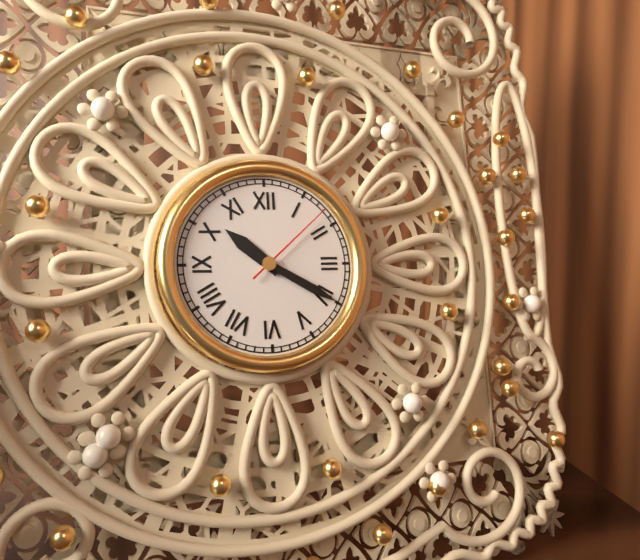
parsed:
10,20,08
